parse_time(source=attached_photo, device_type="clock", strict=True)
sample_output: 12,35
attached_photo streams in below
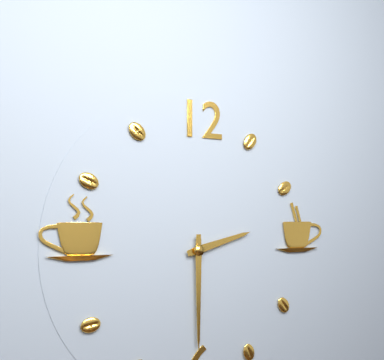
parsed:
2,30
